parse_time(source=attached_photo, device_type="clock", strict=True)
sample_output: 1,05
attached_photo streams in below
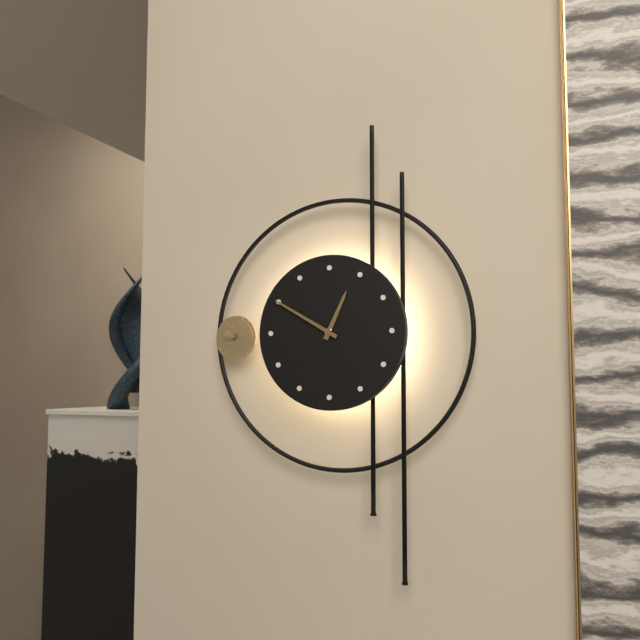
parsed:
12,50
